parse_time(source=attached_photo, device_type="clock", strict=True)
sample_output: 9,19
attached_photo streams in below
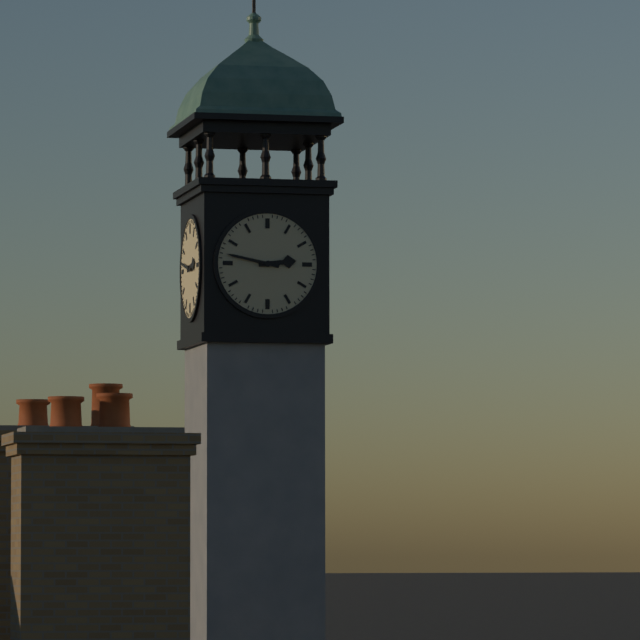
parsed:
2,47
